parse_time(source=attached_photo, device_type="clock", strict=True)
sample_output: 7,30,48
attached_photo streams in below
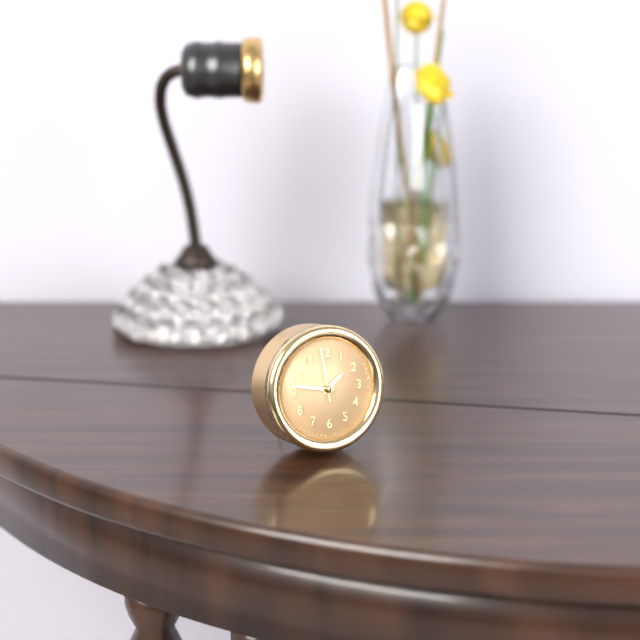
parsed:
1,47,59
